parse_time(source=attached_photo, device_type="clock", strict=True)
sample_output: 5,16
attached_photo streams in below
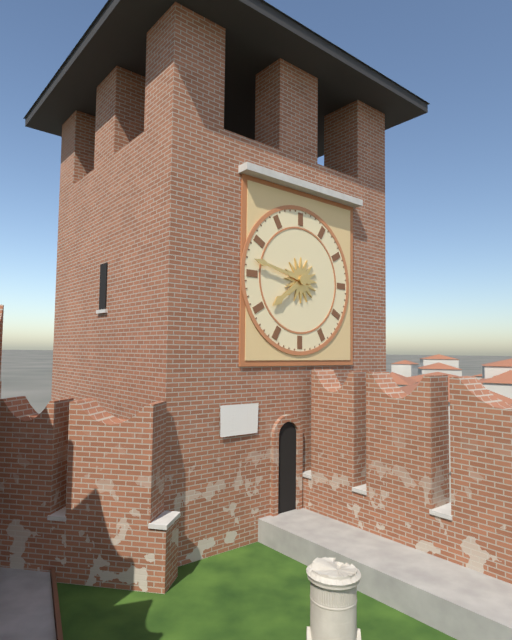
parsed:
7,47
